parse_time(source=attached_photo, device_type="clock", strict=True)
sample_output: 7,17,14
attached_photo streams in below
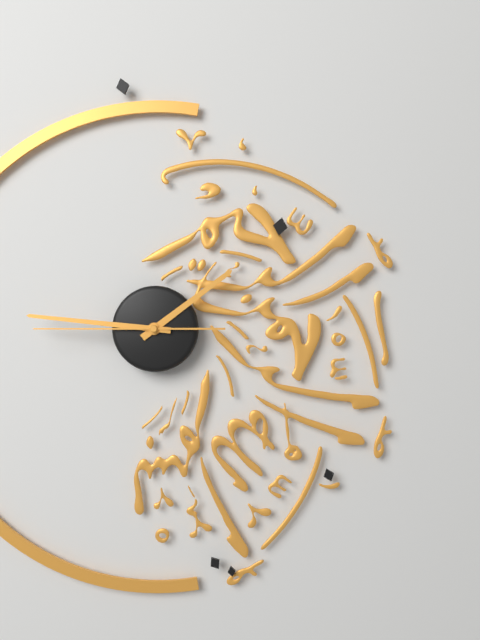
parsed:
1,46,45
